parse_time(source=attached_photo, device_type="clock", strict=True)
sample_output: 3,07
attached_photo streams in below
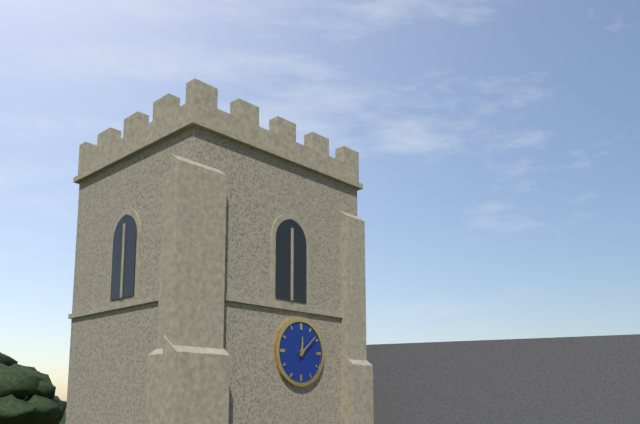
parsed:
12,08
